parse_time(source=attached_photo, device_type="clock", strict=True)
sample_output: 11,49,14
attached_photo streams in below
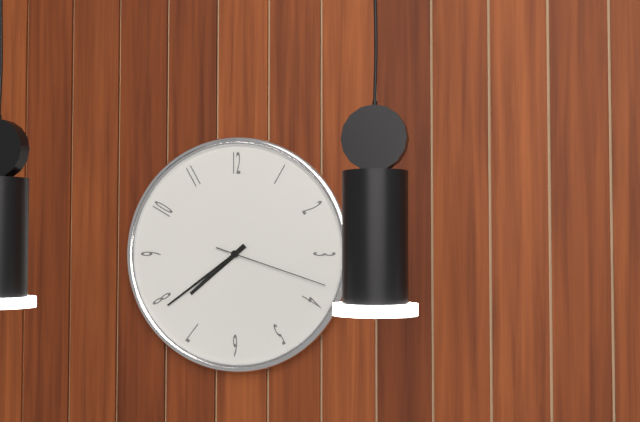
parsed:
7,39,18
